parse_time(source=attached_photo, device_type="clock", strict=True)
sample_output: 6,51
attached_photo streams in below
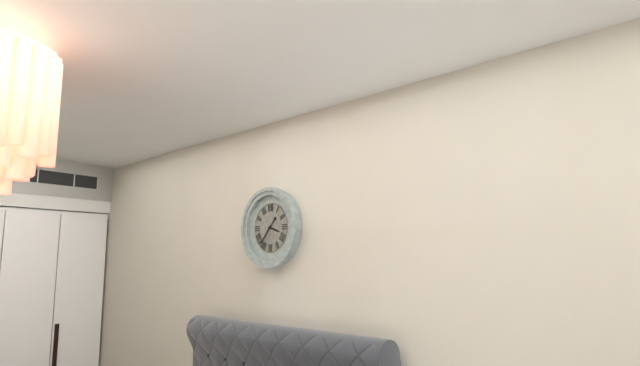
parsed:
3,37
